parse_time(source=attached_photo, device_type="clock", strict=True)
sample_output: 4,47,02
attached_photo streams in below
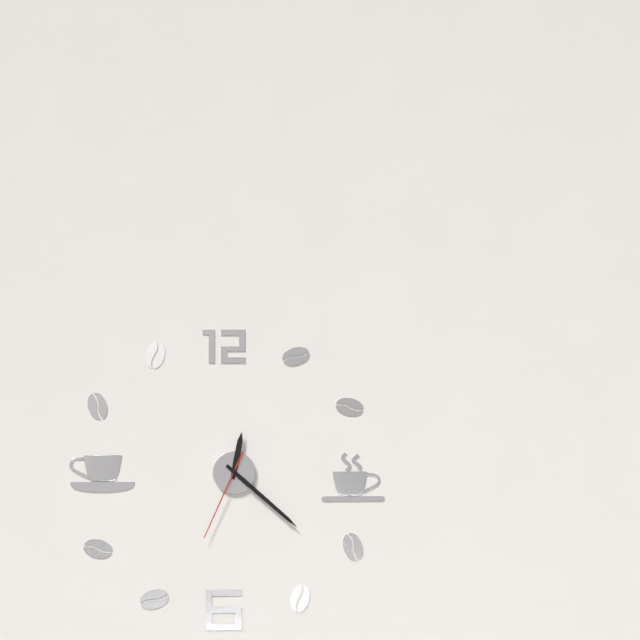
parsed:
12,22,34
